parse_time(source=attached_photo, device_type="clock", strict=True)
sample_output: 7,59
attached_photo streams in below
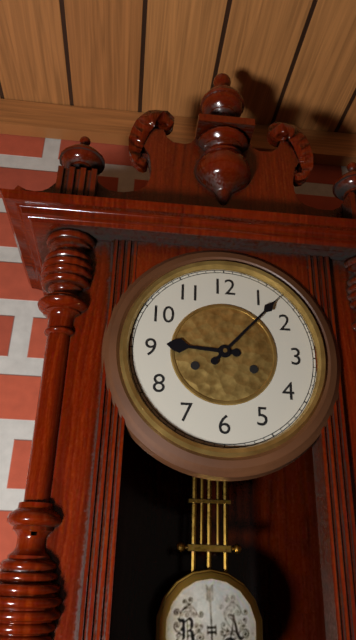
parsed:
9,07
